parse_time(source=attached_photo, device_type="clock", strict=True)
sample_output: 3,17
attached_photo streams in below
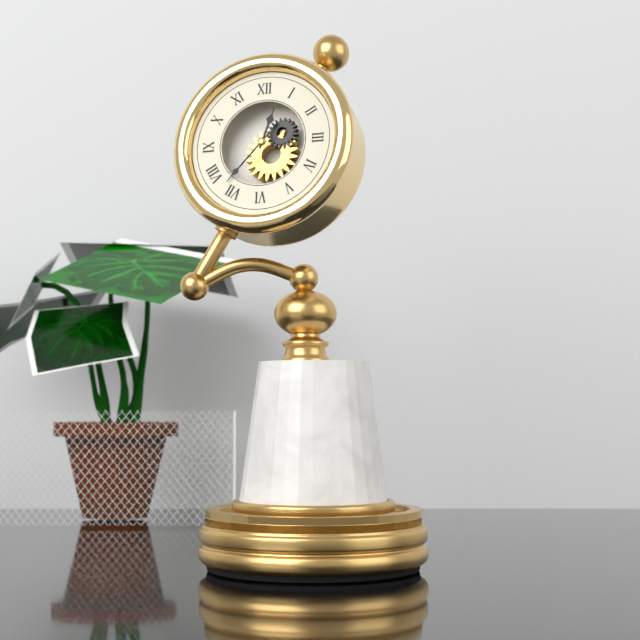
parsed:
12,37
